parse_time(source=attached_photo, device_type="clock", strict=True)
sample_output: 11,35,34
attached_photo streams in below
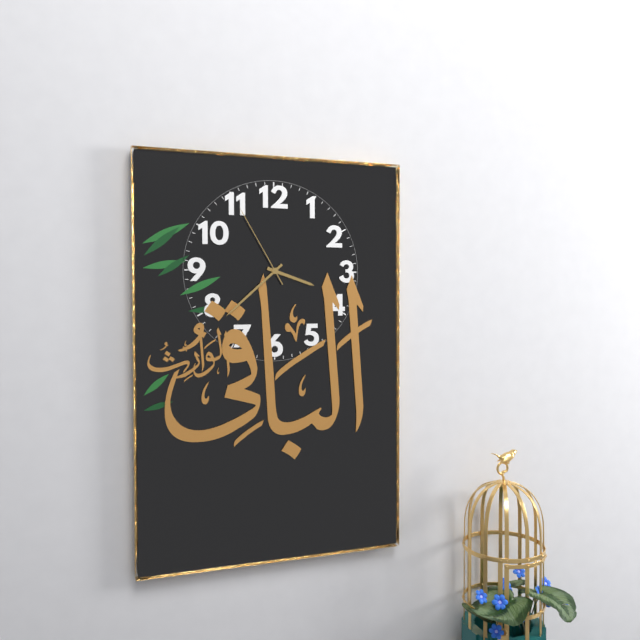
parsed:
3,38,55
